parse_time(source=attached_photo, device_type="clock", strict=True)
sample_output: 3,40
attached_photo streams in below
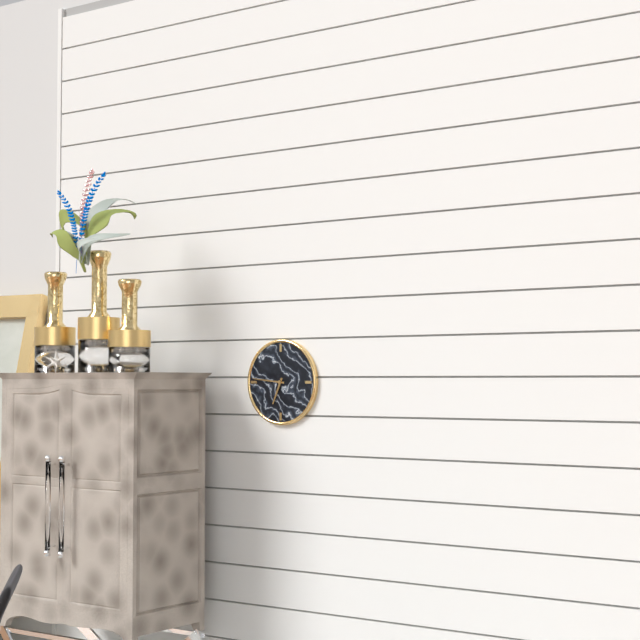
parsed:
6,46
